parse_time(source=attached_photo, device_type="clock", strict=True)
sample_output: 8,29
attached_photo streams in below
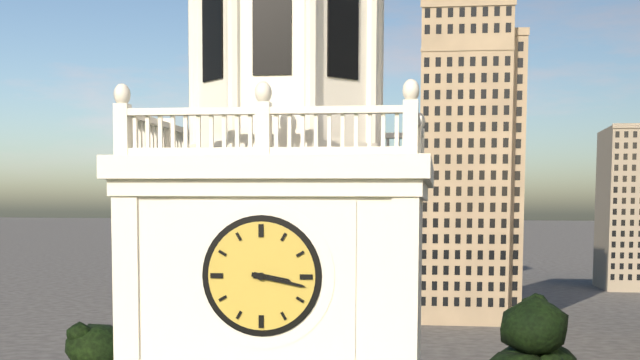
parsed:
3,17
